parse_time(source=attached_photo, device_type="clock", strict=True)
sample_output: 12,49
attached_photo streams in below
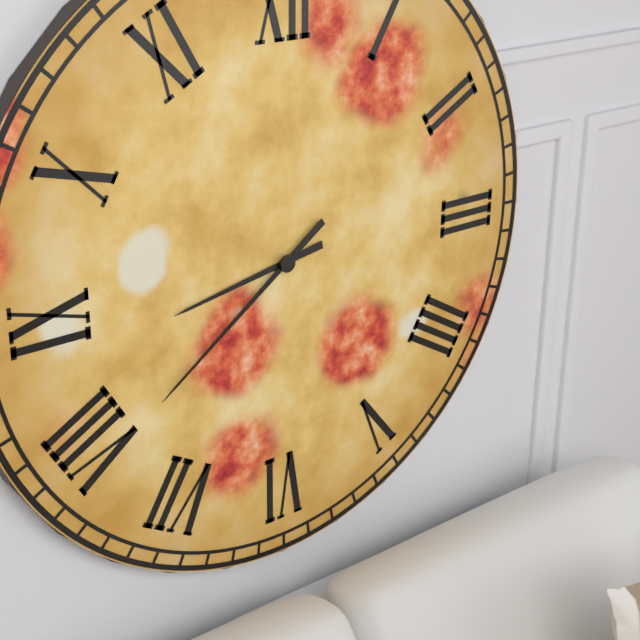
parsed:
8,39
